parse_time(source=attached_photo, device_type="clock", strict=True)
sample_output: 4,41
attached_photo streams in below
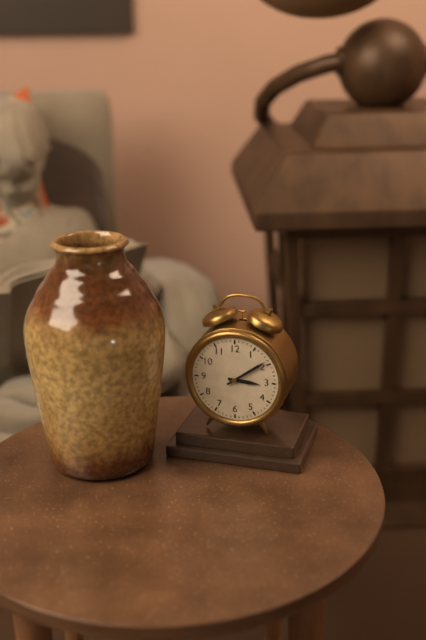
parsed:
3,09
